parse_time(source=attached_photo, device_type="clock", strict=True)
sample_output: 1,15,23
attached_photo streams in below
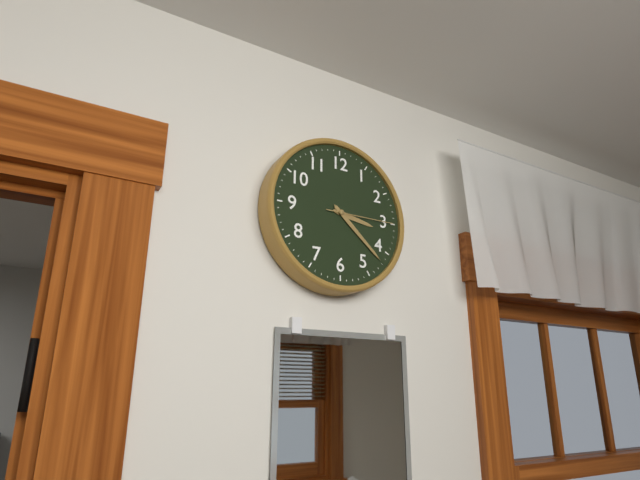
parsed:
3,22,15
